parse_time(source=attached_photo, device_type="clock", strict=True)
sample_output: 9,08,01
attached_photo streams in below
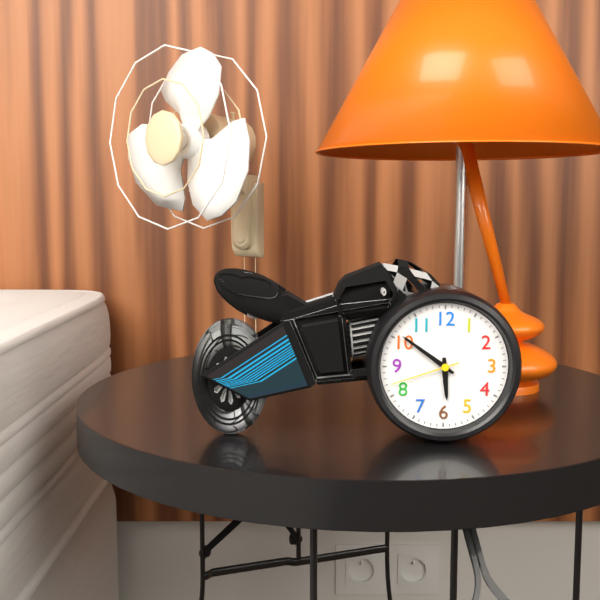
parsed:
5,51,42
